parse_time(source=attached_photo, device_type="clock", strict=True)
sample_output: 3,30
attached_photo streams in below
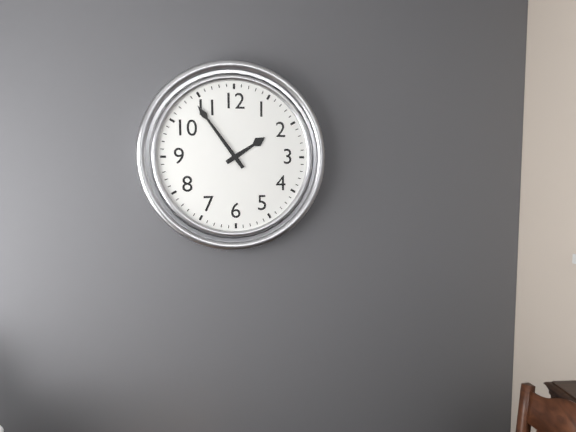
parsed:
1,54
